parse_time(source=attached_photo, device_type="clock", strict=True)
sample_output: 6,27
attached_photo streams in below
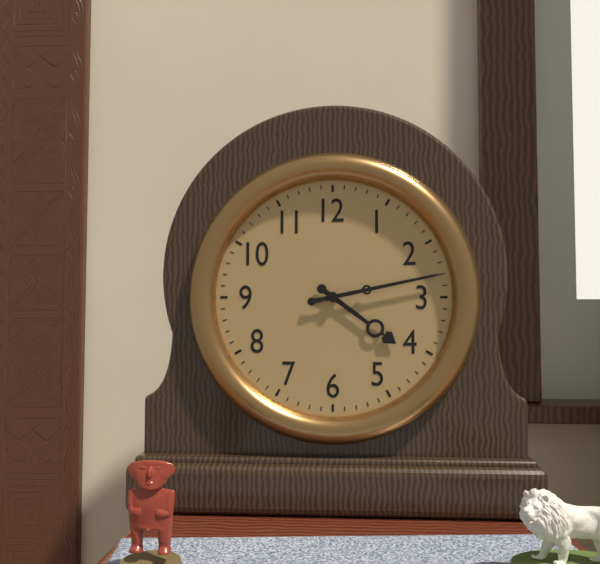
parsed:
4,13
